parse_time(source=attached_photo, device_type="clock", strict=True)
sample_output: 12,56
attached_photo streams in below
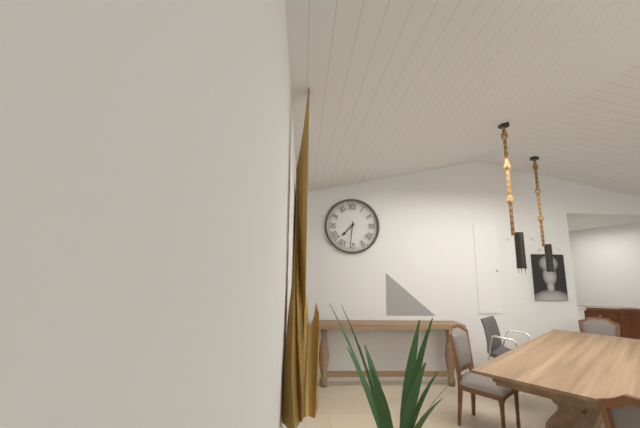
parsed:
7,31
